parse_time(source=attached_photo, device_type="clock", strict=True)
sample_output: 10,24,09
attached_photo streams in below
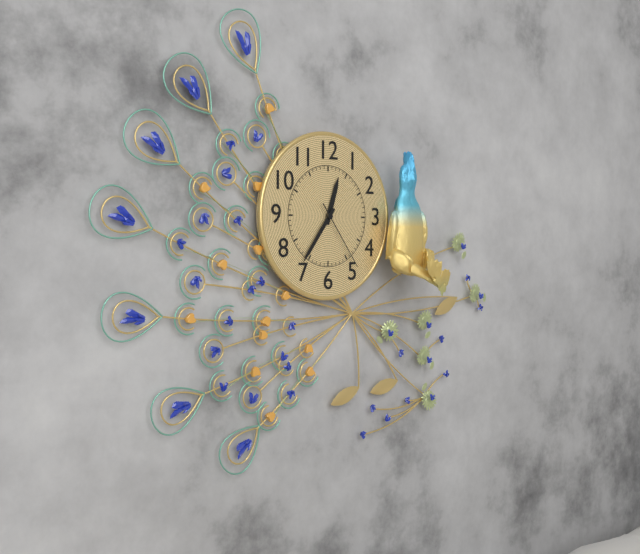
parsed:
12,36,24
